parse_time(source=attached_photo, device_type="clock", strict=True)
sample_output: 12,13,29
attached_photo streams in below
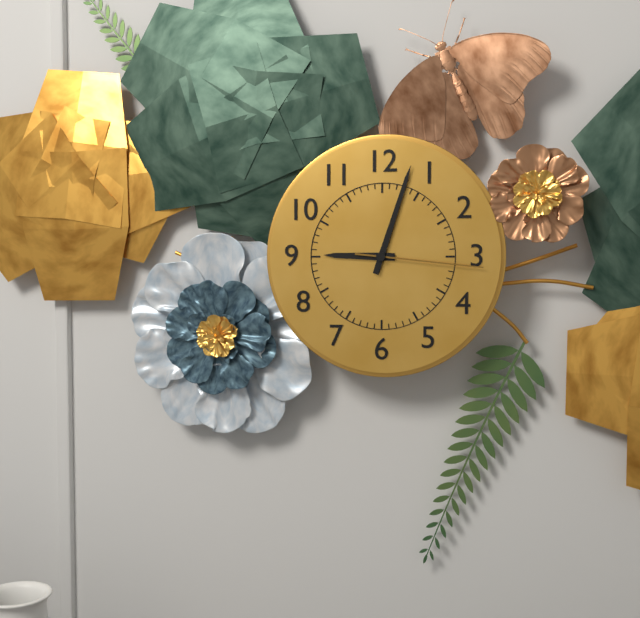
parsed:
9,03,16
